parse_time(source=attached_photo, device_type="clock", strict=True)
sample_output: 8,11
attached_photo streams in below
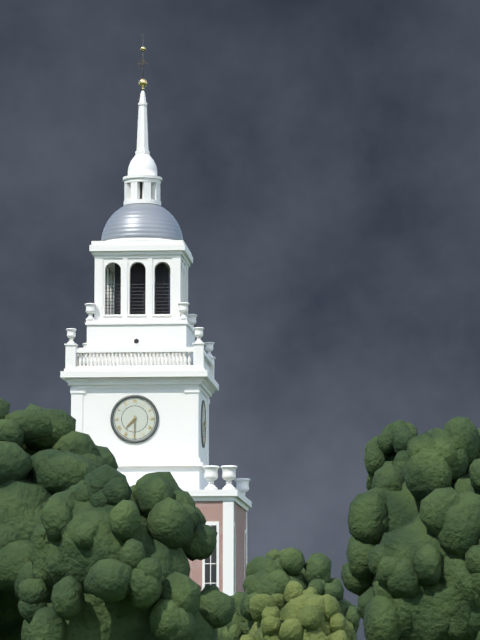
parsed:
7,30
